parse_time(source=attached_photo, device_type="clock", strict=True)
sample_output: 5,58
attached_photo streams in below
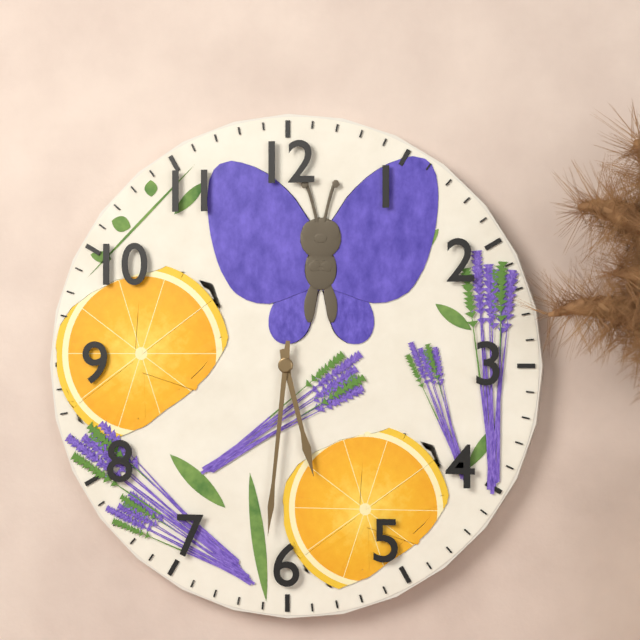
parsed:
5,31
